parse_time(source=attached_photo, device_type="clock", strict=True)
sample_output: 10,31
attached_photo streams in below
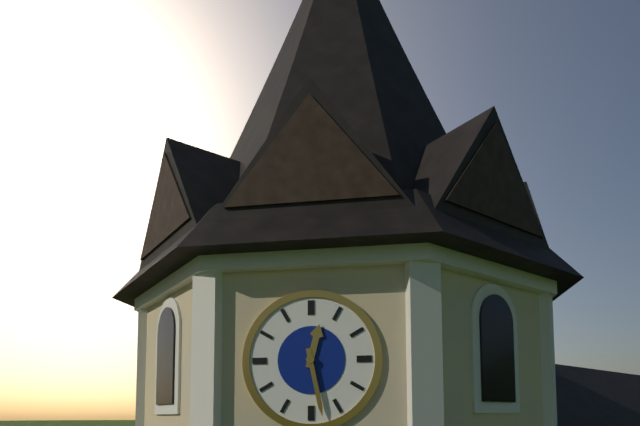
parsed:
12,28
